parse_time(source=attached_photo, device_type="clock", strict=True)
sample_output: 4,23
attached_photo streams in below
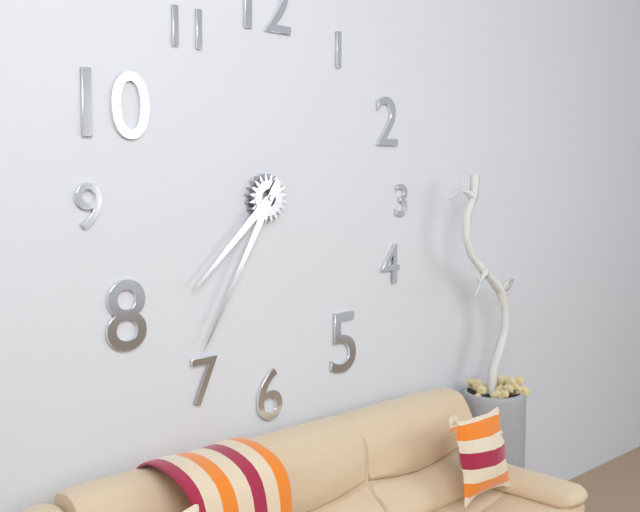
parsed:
7,35
